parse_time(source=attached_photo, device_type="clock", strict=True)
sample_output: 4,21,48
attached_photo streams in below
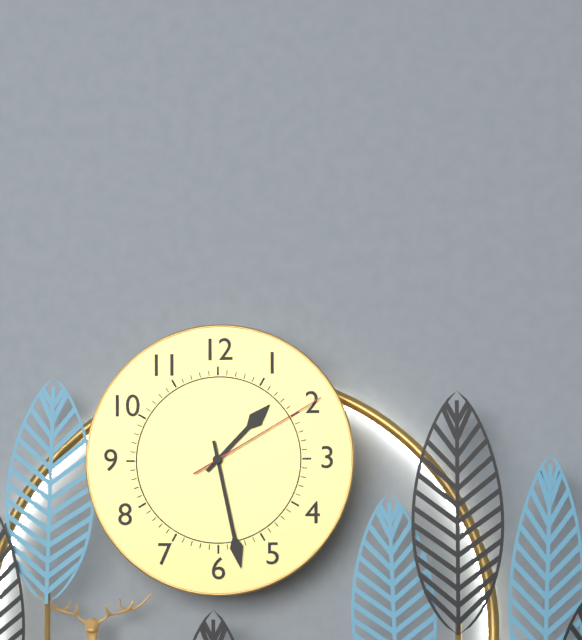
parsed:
1,28,10
